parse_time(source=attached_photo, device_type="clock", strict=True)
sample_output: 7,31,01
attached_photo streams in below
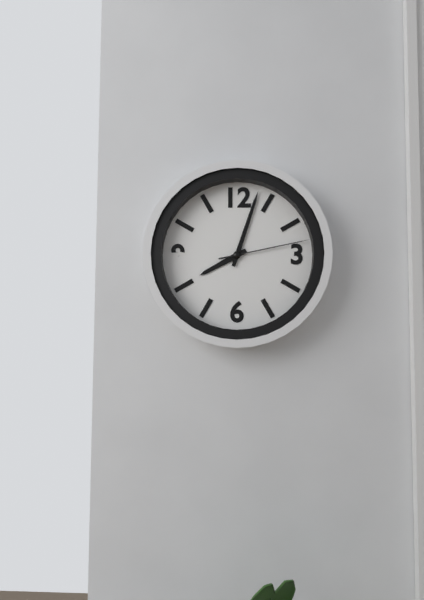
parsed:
8,03,13
